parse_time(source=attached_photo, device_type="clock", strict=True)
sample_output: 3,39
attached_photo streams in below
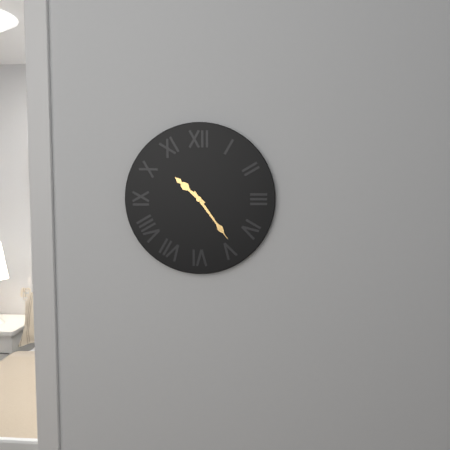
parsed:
10,24
